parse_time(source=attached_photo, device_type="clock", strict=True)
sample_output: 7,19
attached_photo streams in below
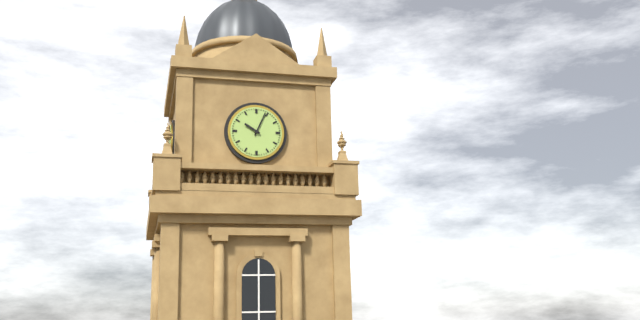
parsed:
10,04
